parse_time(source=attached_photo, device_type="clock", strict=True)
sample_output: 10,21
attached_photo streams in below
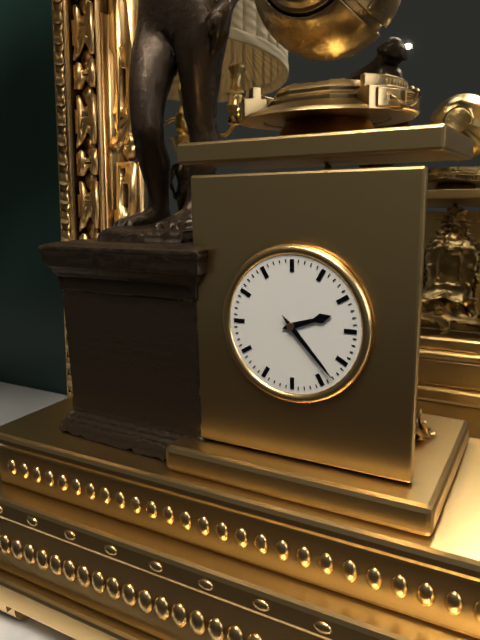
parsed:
2,23
